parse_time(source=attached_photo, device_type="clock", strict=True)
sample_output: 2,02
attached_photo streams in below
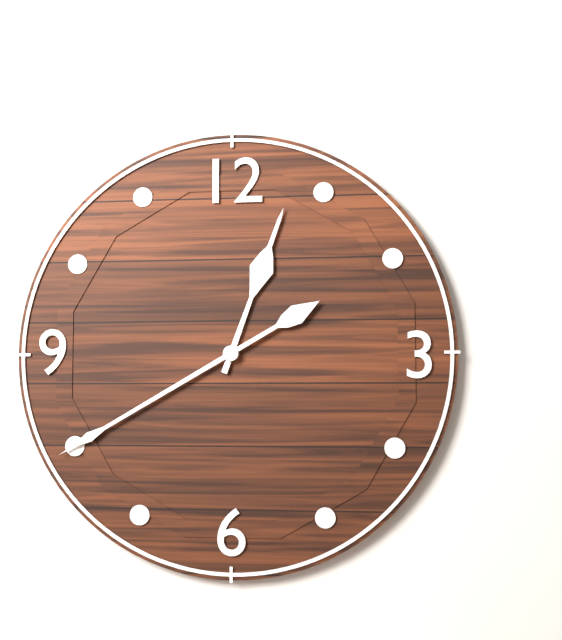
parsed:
12,40
